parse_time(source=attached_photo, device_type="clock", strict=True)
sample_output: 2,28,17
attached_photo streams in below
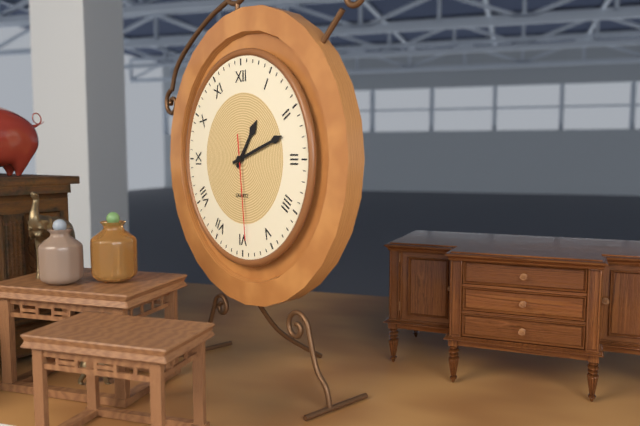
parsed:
1,12,29
